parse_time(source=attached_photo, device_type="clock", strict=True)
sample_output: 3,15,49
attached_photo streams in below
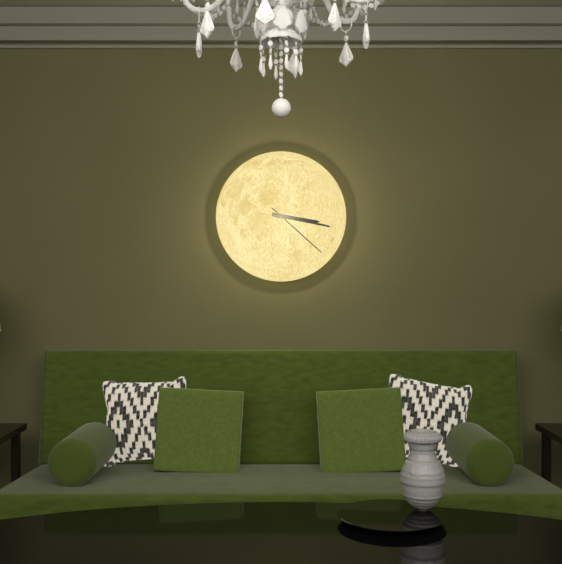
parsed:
3,17,22
